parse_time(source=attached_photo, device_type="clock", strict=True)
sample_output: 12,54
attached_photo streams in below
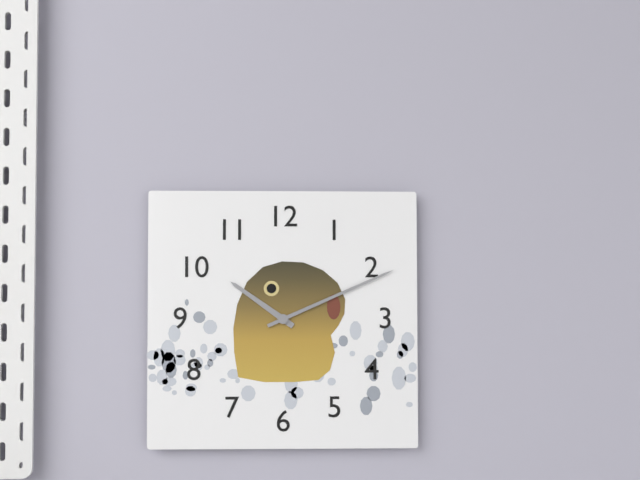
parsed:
10,11
